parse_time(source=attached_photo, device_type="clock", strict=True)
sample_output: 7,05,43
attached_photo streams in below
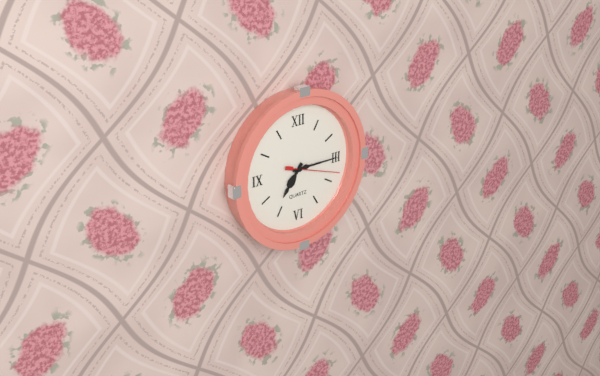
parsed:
7,15,18
